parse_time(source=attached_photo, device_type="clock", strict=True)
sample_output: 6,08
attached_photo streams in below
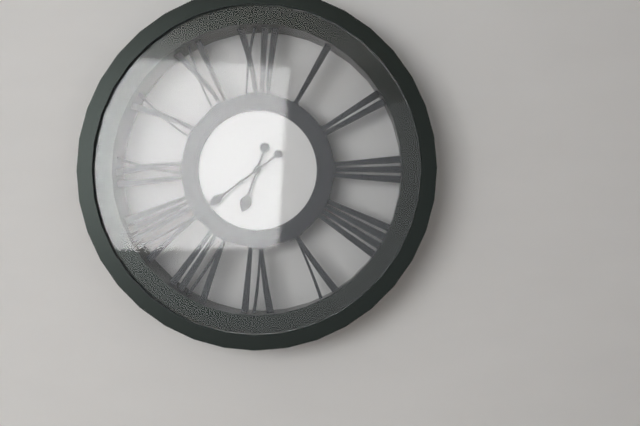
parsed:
6,39
